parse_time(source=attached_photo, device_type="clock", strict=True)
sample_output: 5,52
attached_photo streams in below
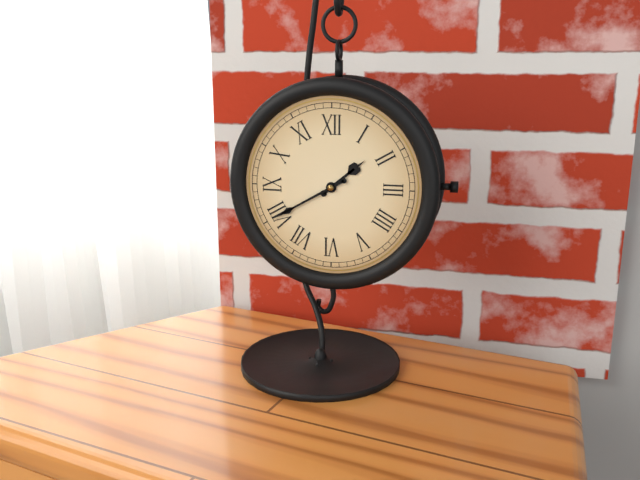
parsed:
1,40
